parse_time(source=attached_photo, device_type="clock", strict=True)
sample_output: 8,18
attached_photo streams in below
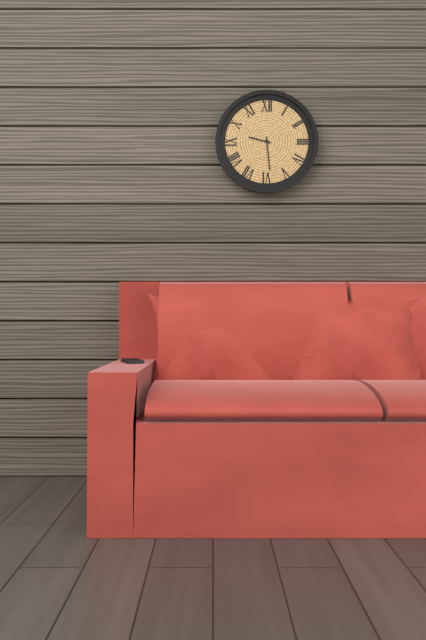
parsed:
9,29
